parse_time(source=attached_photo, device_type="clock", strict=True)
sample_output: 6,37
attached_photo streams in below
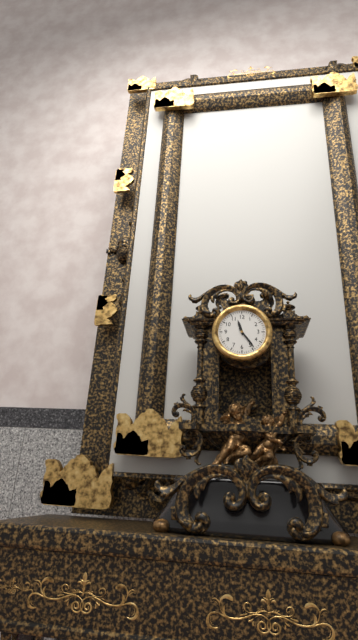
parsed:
11,24
